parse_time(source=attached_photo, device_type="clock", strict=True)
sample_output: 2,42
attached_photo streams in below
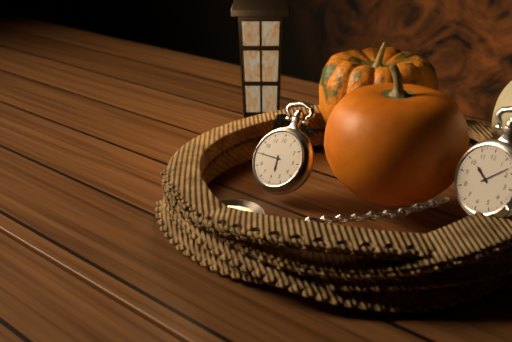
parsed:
5,45
